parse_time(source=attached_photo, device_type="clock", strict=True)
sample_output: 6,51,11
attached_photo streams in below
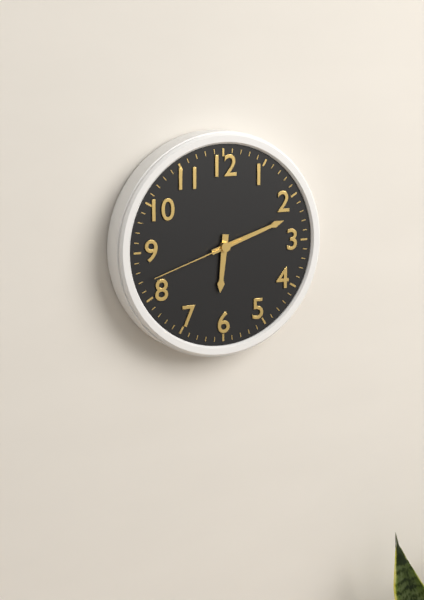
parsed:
6,12,42
